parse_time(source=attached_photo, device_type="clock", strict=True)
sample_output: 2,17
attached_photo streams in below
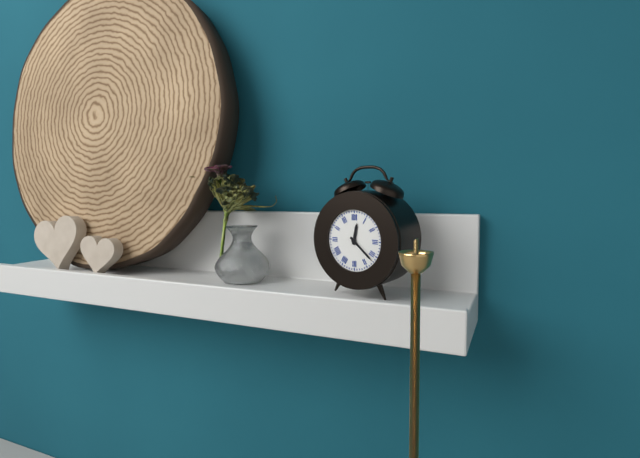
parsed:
12,22
